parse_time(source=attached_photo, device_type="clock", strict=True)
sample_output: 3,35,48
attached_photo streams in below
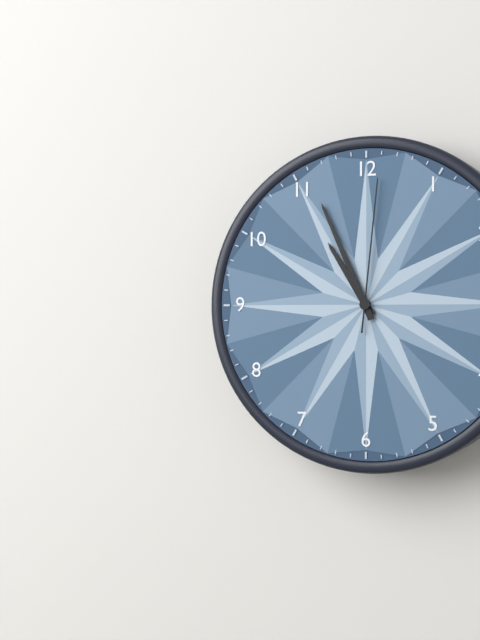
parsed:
10,56,01
